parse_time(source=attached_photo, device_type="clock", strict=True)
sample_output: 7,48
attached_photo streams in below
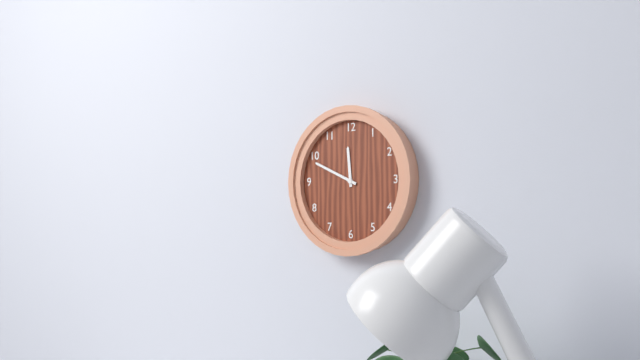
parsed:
11,49
